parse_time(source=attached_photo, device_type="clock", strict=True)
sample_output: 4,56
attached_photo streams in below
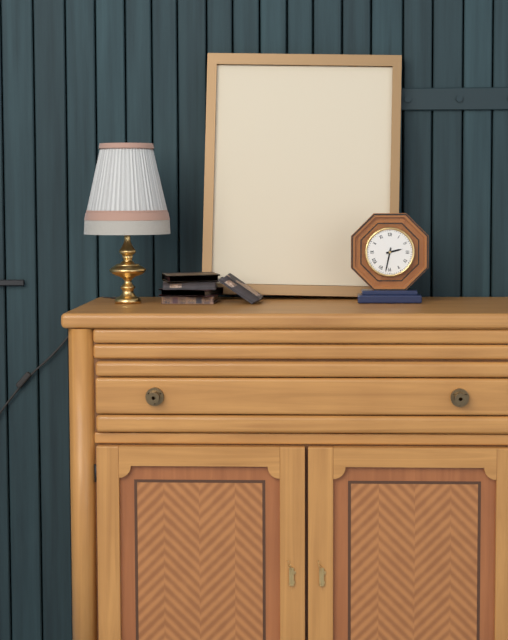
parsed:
2,32
